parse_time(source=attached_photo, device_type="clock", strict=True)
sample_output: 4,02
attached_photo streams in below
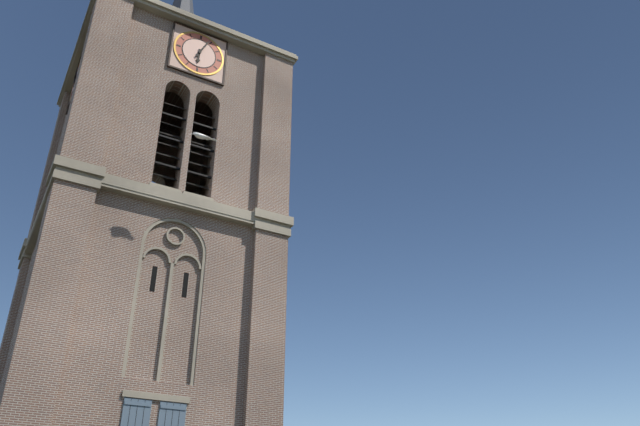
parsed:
6,04
